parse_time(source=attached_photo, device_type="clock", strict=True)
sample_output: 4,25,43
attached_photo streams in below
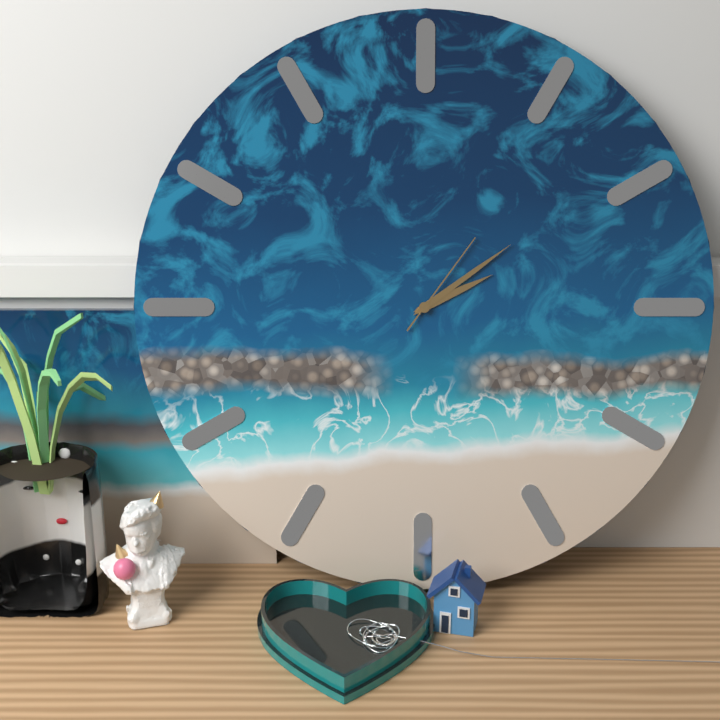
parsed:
2,09,06
